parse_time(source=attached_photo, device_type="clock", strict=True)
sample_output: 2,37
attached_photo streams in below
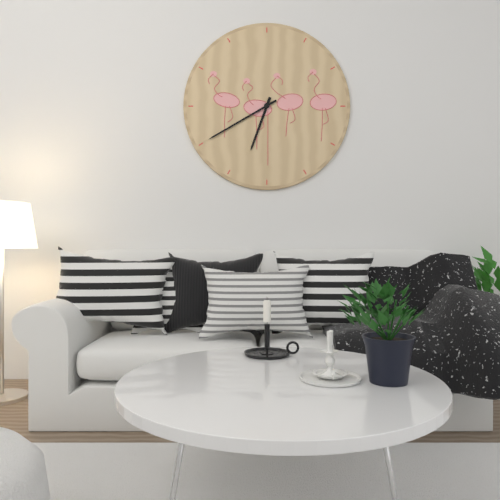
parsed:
6,40
